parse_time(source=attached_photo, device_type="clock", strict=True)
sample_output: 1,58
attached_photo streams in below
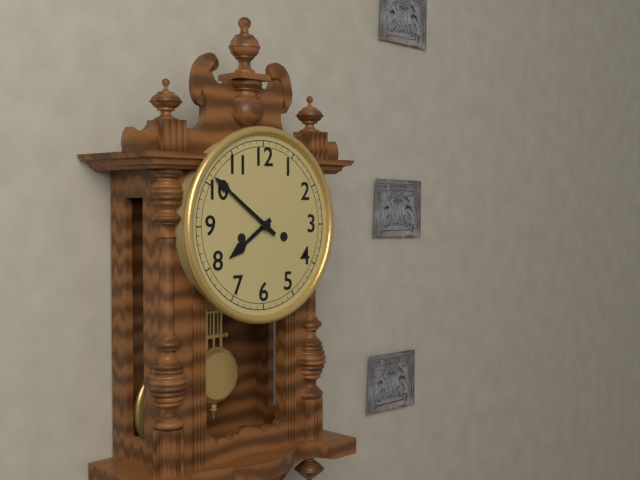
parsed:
7,51
